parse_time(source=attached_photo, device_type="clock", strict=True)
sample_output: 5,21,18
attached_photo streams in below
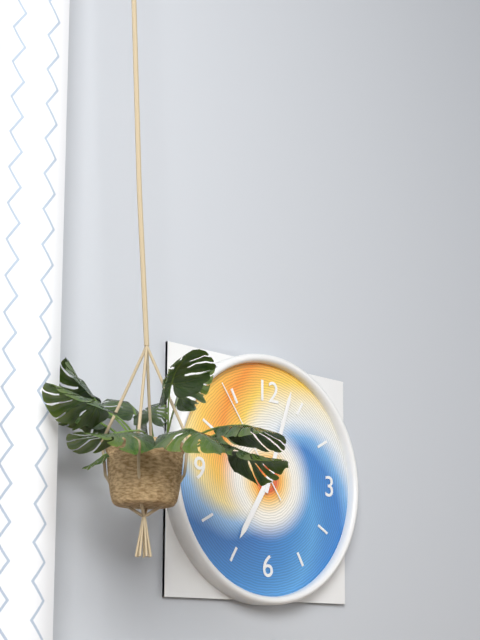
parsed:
7,03,54
